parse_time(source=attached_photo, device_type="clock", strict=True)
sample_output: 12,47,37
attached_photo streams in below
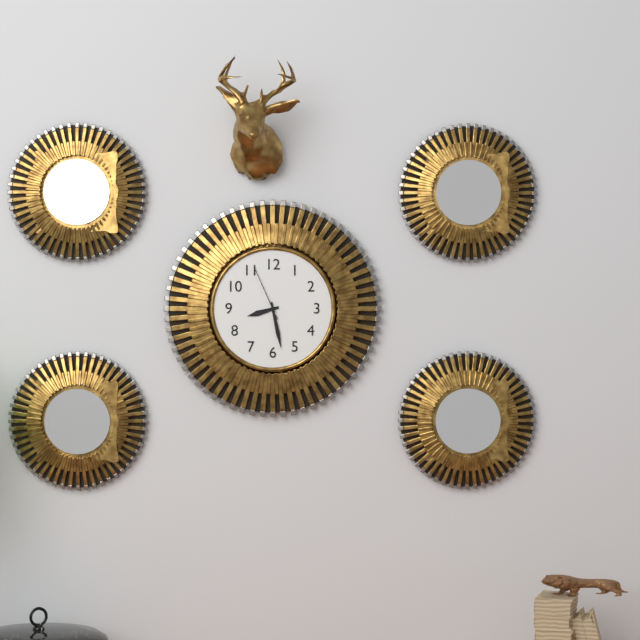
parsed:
8,28,56
